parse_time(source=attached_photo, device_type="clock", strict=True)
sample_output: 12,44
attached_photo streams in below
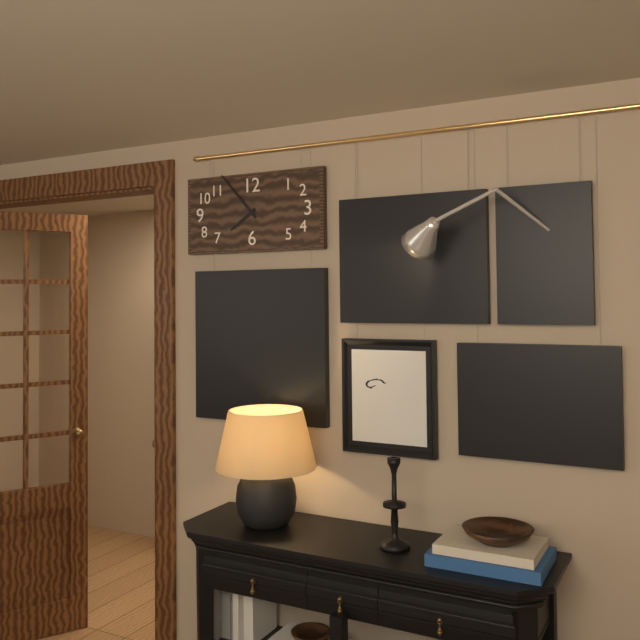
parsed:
7,53
